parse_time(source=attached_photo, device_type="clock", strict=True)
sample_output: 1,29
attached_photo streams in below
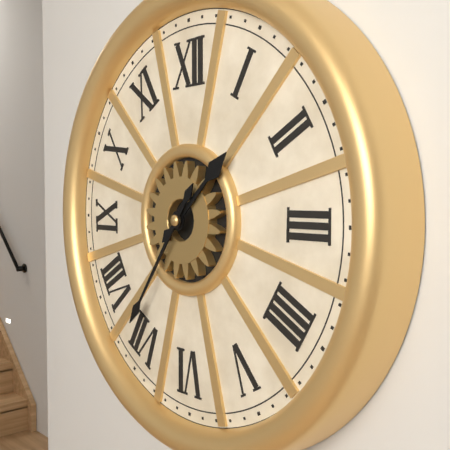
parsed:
1,36
